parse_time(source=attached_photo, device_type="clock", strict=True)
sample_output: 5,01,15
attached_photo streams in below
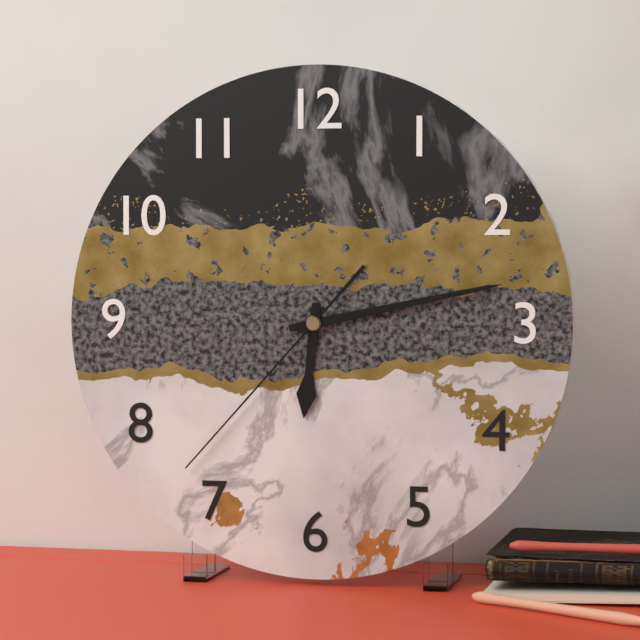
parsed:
6,13,37
